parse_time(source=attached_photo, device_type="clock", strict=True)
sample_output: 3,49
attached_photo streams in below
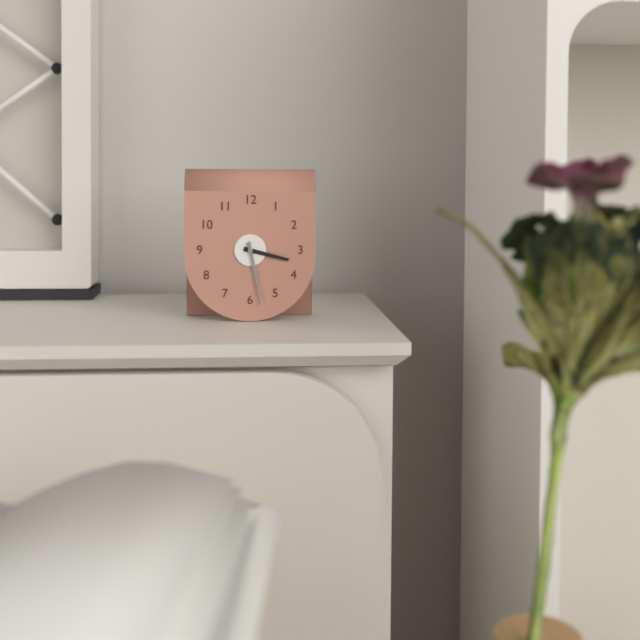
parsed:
3,28
